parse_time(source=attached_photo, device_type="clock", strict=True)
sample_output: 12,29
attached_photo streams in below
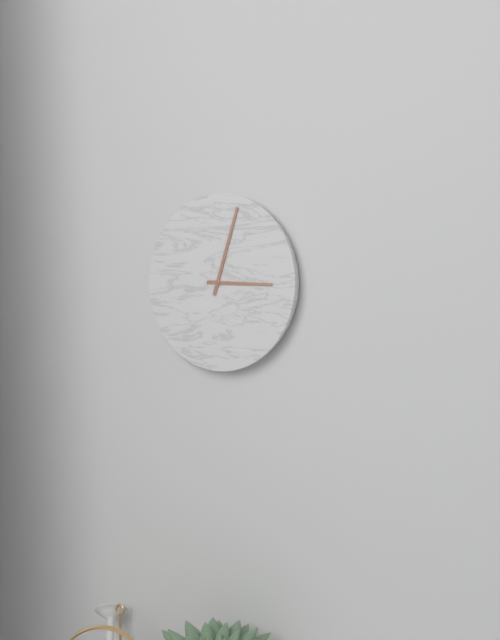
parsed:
3,03
